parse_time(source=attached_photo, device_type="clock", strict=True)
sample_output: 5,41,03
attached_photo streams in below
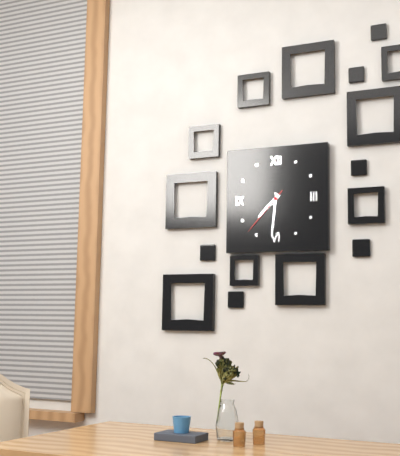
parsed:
7,31,37
